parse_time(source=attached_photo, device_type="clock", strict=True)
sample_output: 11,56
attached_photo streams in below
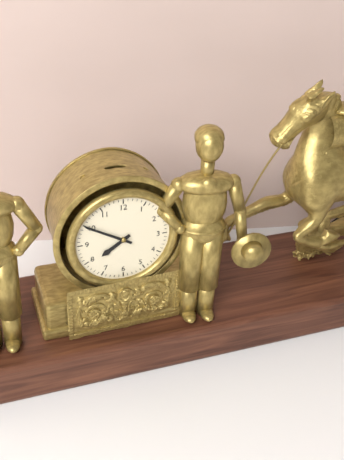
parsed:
7,50
